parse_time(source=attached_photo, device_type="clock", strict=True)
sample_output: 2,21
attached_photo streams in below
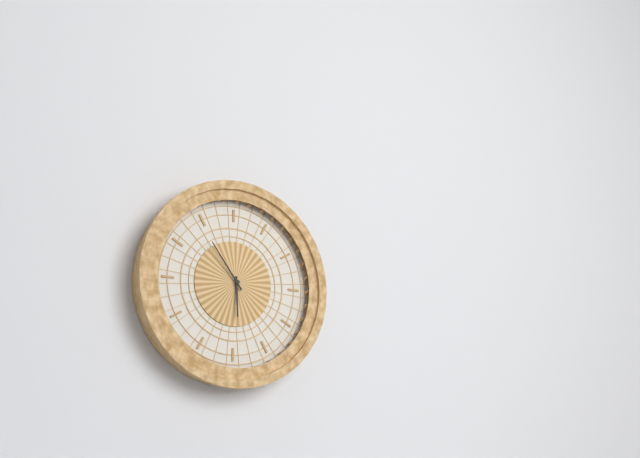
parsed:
5,54
